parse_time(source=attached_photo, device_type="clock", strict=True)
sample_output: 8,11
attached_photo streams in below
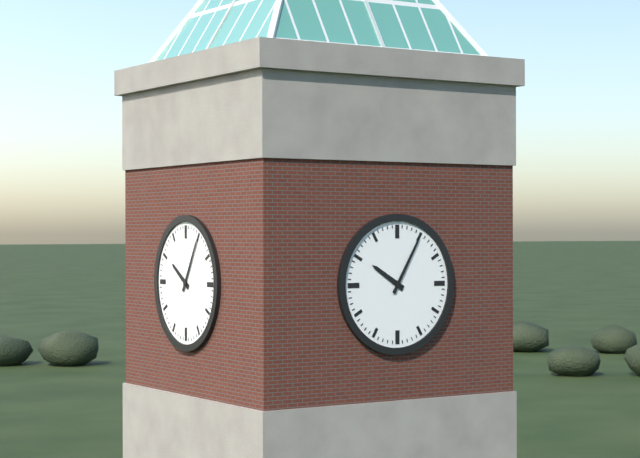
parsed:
10,05
